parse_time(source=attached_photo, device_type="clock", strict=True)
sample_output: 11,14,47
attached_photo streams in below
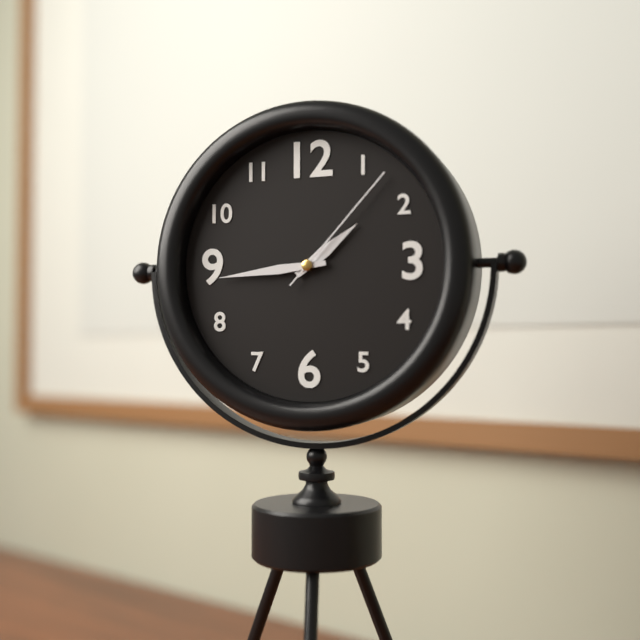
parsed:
1,44,07
